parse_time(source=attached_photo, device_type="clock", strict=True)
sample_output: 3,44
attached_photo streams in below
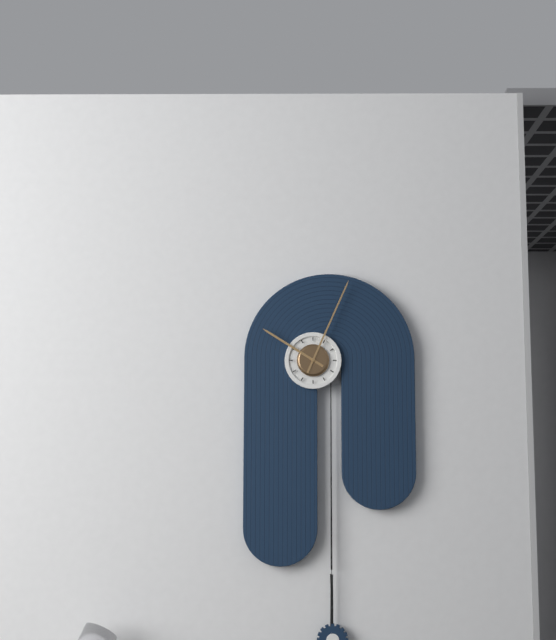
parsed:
10,04
